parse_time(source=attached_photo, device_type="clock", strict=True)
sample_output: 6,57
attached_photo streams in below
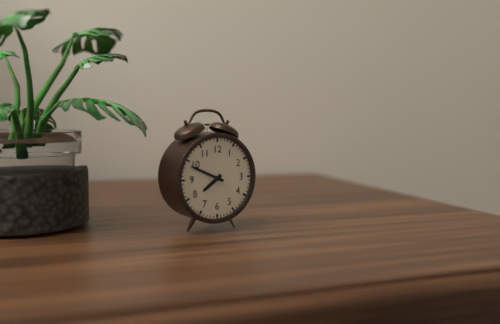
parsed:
7,49
